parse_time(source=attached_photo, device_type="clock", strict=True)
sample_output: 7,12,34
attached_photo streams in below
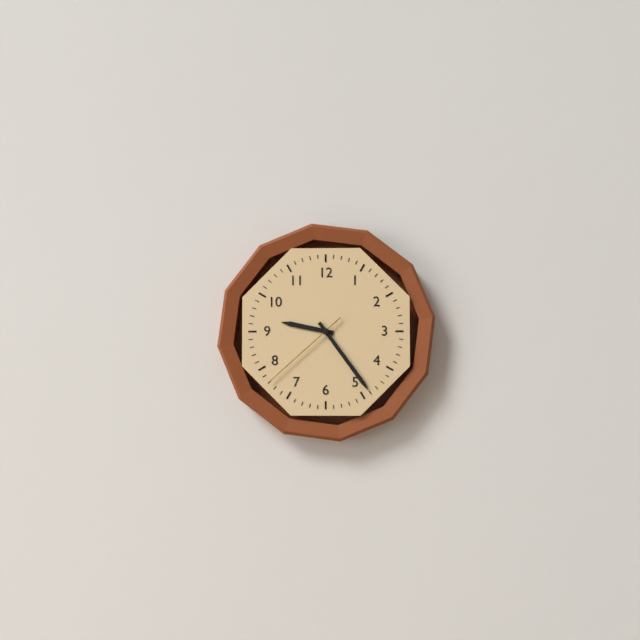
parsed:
9,24,38
